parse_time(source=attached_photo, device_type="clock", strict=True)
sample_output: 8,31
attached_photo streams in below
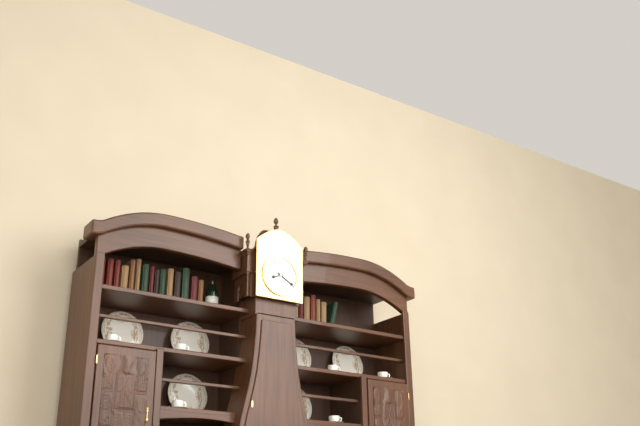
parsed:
8,20
